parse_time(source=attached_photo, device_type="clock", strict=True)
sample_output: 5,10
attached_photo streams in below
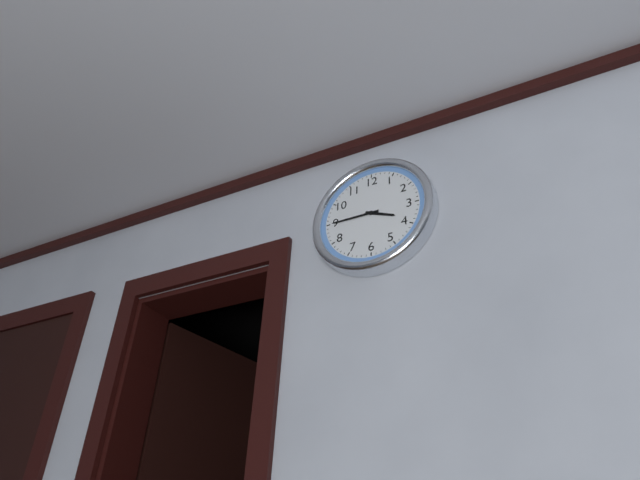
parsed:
3,45
